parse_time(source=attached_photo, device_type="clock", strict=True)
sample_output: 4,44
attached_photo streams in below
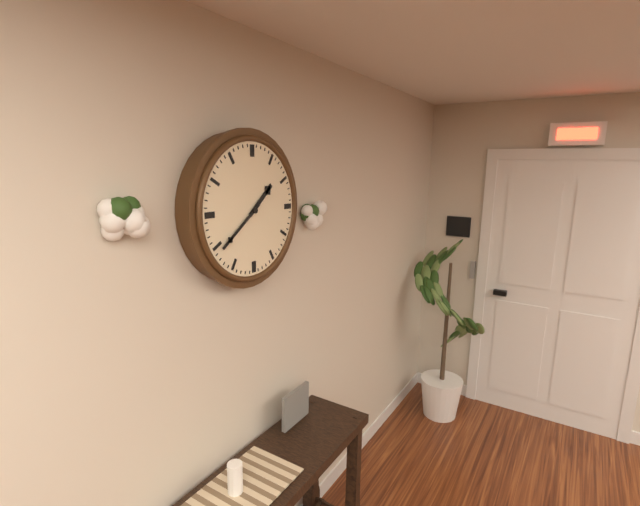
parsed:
1,39
